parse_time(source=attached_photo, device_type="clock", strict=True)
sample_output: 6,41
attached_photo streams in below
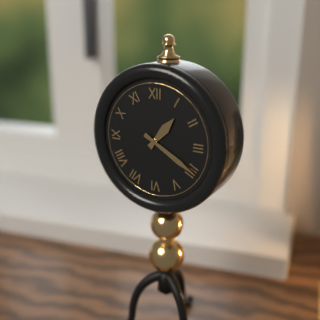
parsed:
1,20
